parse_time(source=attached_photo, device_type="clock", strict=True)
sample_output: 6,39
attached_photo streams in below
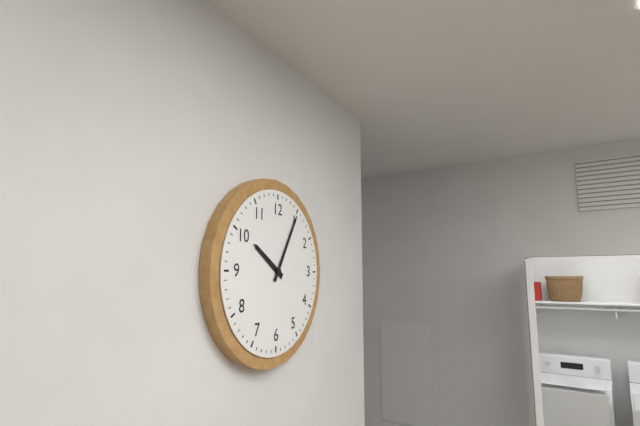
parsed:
10,05
